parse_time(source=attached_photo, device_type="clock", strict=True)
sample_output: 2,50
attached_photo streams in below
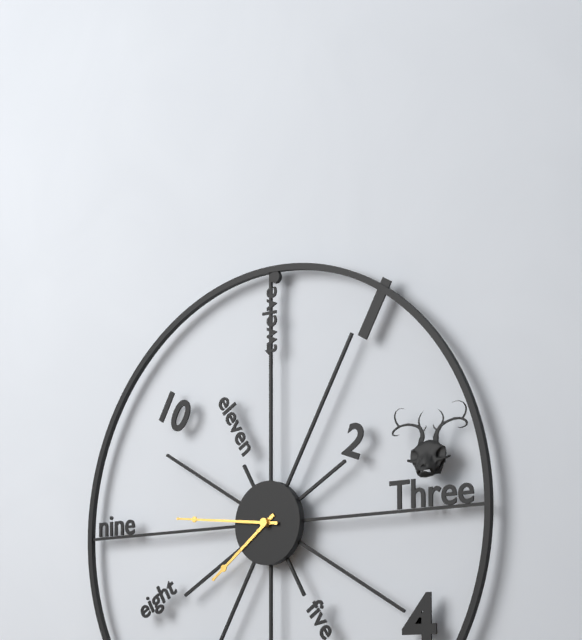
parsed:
7,46
